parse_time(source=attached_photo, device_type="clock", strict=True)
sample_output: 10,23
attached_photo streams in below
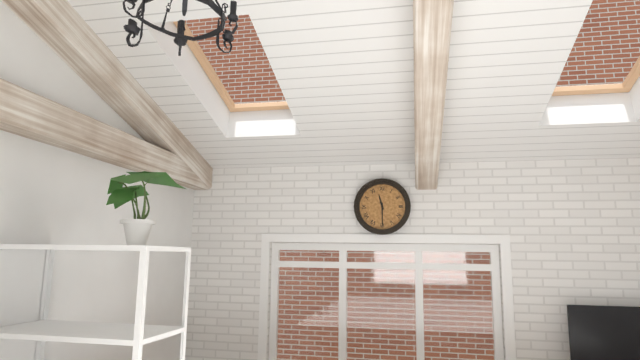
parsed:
11,30
